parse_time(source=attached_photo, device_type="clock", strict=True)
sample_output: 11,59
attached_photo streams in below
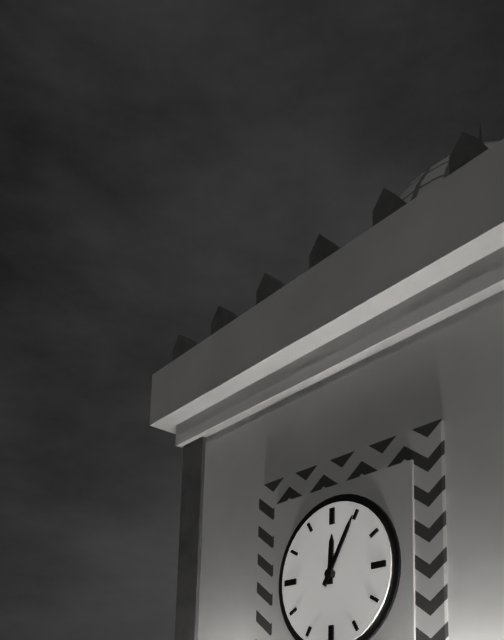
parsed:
12,05
